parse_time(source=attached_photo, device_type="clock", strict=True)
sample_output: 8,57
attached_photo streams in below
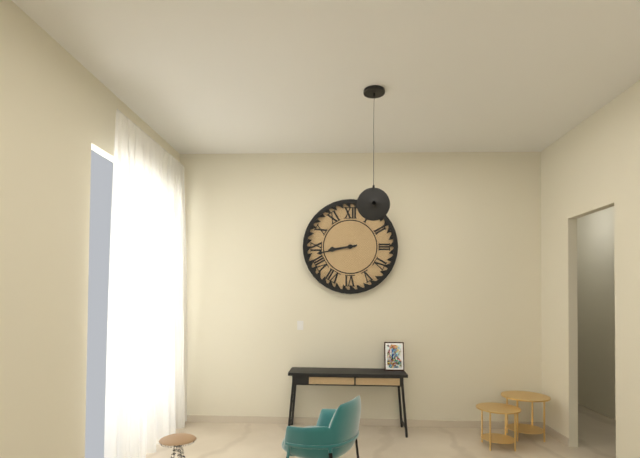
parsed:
8,43
